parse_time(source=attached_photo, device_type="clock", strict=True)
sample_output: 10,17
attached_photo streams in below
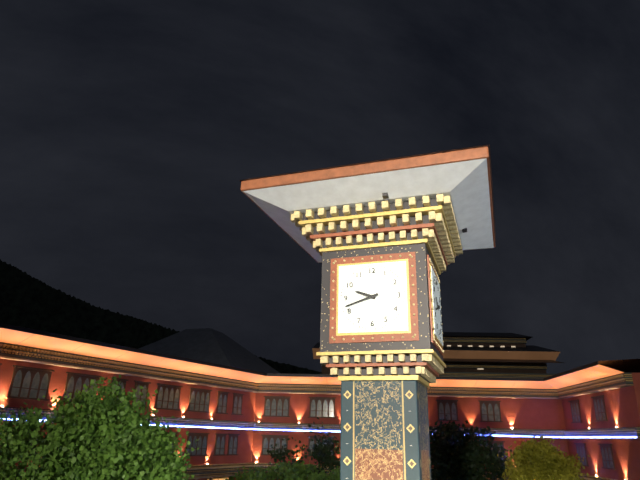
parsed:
9,42
